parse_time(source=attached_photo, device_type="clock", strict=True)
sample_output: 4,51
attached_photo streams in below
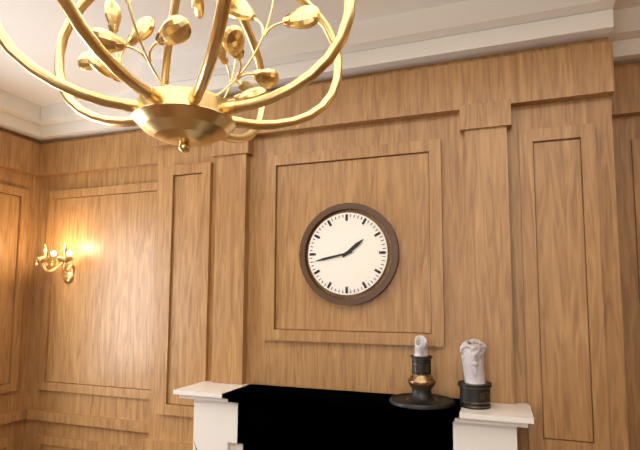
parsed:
1,43
